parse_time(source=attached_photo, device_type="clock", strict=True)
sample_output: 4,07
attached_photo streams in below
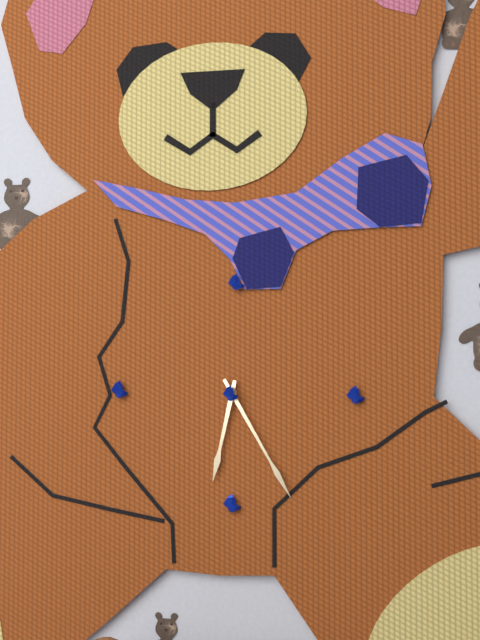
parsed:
6,25
